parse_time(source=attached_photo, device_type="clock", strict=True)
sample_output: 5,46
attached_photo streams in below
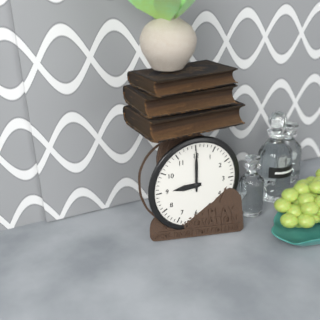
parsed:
9,00
